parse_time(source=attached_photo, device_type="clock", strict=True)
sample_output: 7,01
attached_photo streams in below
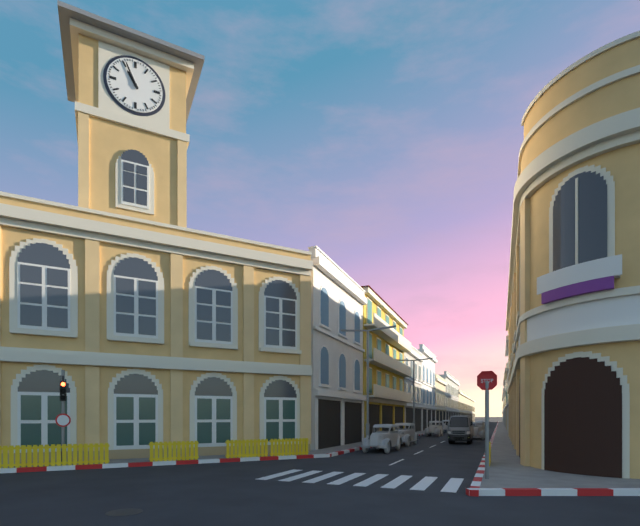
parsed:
10,56
